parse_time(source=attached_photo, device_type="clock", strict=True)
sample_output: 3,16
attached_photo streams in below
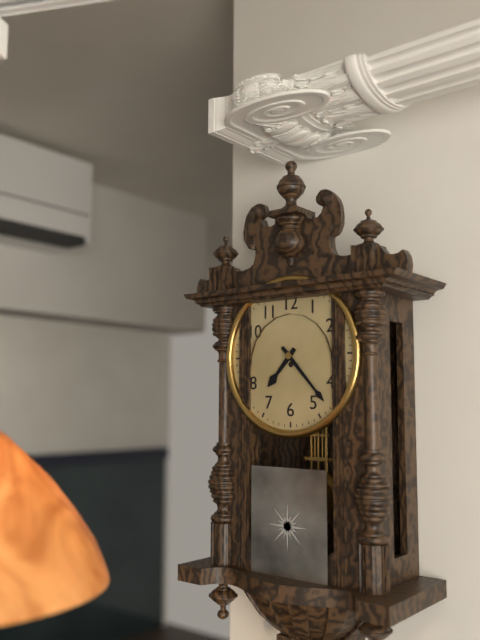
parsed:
7,23
